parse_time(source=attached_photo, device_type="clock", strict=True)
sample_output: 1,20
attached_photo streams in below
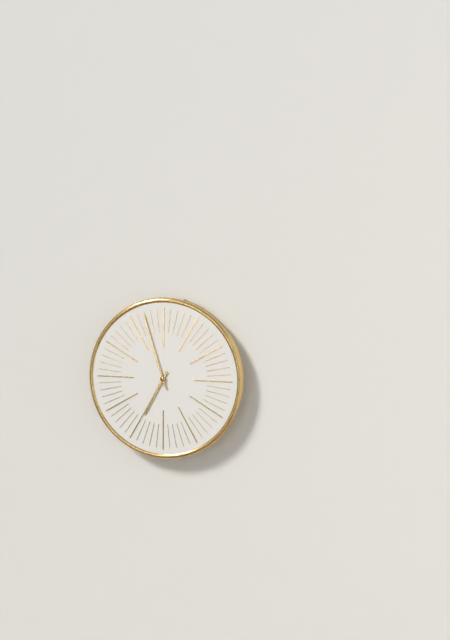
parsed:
6,57
